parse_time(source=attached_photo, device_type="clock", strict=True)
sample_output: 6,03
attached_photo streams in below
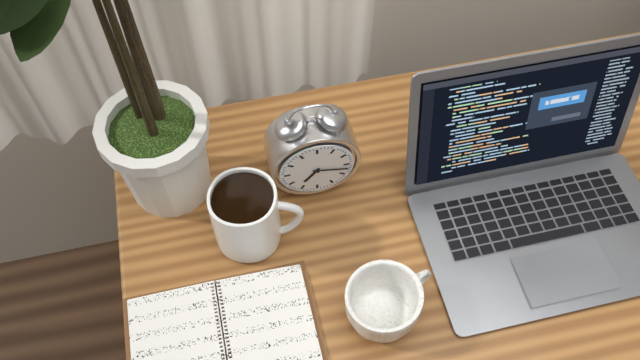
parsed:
7,17
